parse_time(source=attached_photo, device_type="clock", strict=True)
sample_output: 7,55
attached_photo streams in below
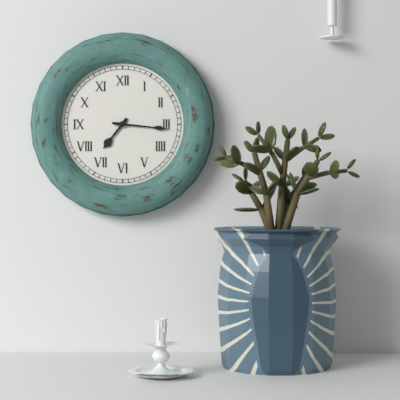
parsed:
7,16
